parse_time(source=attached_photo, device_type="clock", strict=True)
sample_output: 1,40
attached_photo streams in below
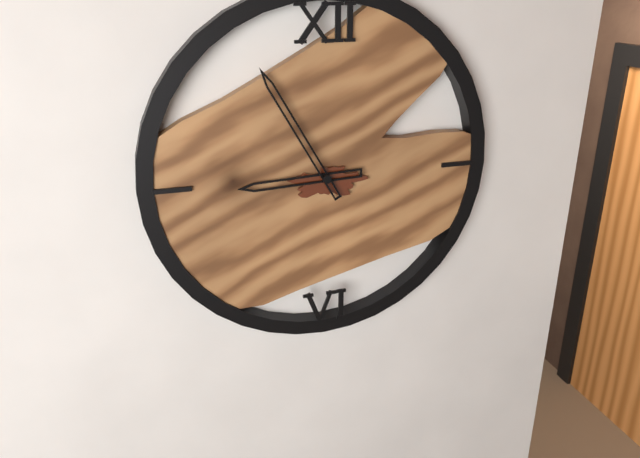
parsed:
8,55
